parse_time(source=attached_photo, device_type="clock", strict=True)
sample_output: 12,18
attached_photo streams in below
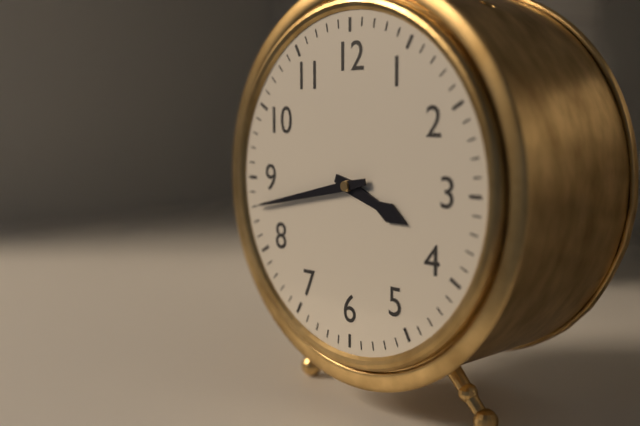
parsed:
3,43
